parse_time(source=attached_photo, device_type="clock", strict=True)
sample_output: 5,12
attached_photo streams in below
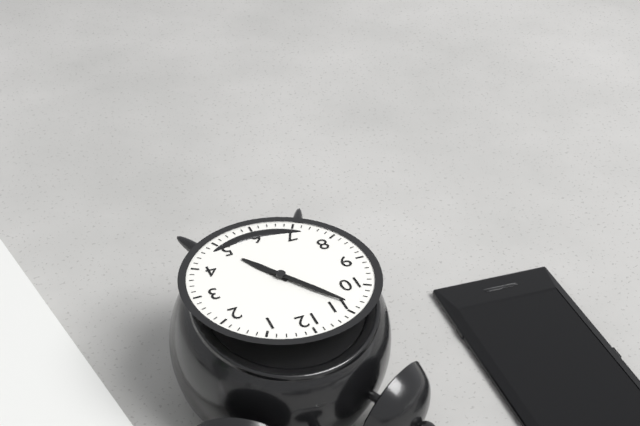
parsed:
4,54
